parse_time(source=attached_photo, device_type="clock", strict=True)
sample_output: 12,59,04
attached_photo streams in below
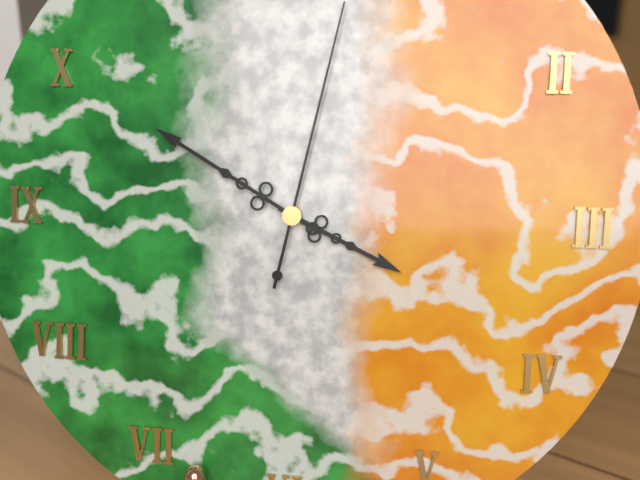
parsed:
3,50,02
